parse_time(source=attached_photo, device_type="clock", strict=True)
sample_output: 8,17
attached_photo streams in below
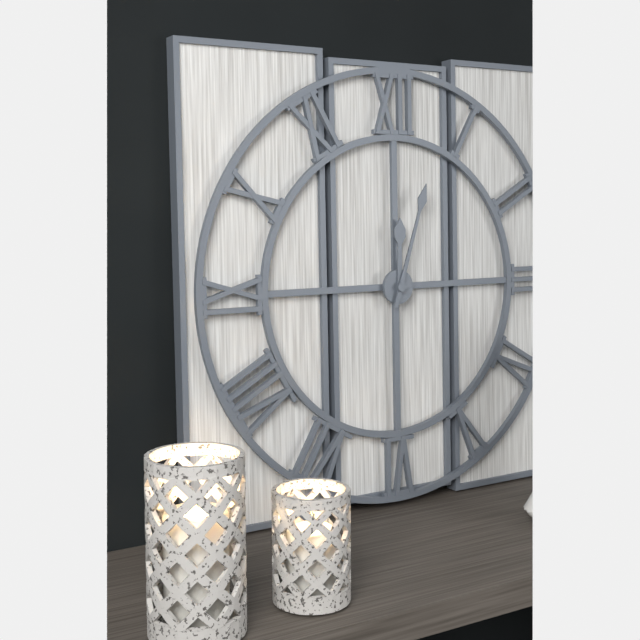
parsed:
12,03
